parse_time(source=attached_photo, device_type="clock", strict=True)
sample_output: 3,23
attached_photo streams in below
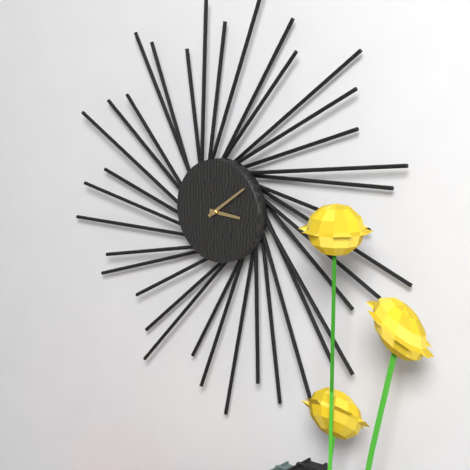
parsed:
3,09
